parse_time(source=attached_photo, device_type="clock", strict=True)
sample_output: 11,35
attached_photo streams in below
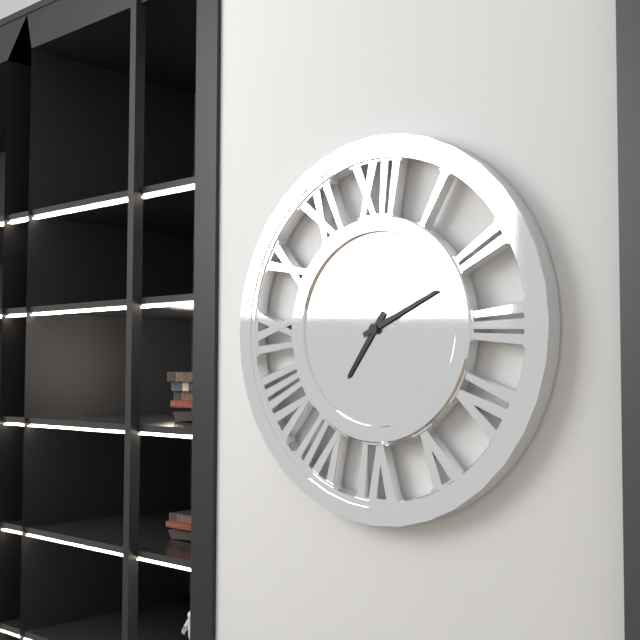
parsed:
7,11
